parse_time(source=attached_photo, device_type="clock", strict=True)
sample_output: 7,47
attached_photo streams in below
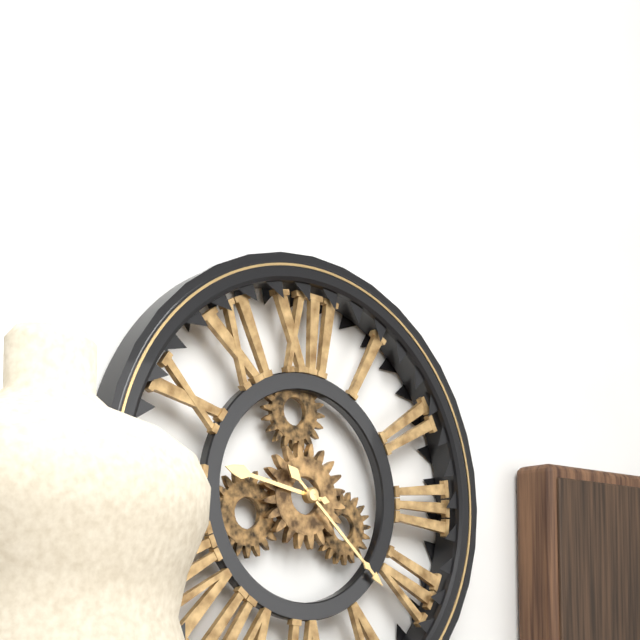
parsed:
9,22
